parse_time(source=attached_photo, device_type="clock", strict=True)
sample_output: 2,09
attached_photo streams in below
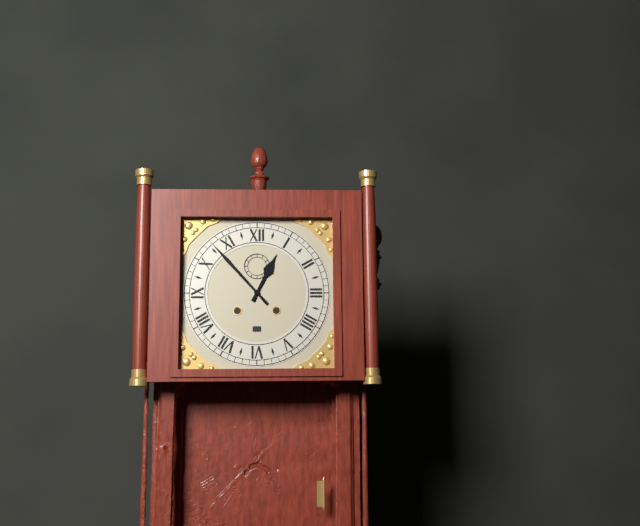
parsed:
12,53
